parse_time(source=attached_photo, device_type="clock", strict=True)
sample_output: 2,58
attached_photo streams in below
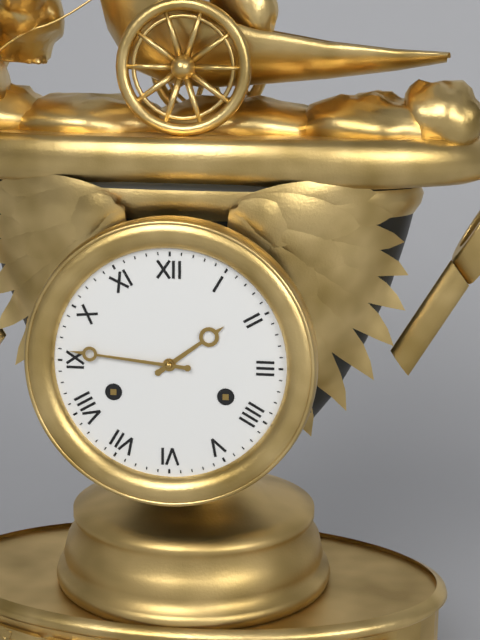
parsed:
1,46
